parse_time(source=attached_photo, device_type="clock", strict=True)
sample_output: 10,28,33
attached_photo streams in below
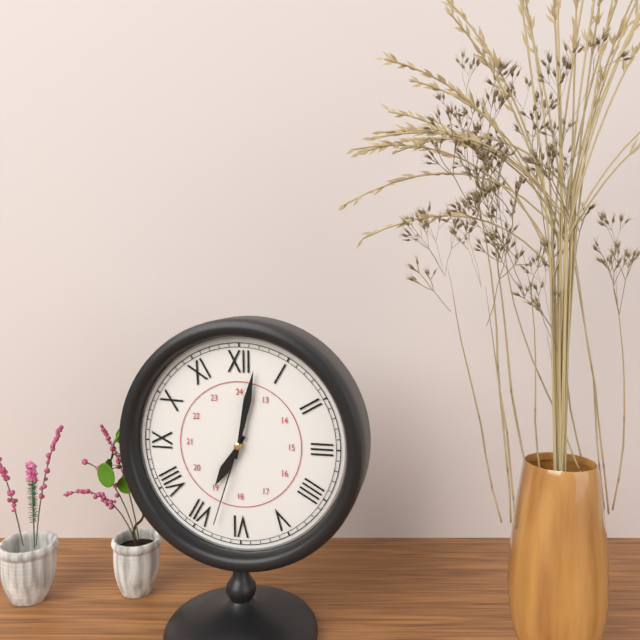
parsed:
7,02,33
